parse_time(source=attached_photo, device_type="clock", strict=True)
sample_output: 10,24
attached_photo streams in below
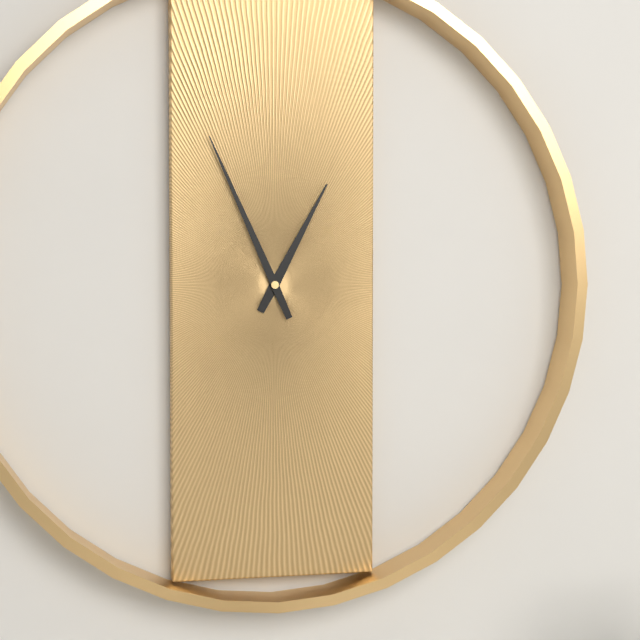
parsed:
12,56
